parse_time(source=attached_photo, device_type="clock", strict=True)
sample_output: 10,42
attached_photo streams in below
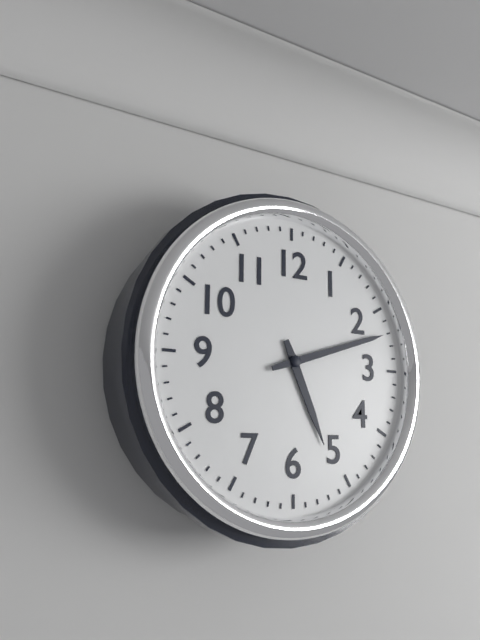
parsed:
5,12
